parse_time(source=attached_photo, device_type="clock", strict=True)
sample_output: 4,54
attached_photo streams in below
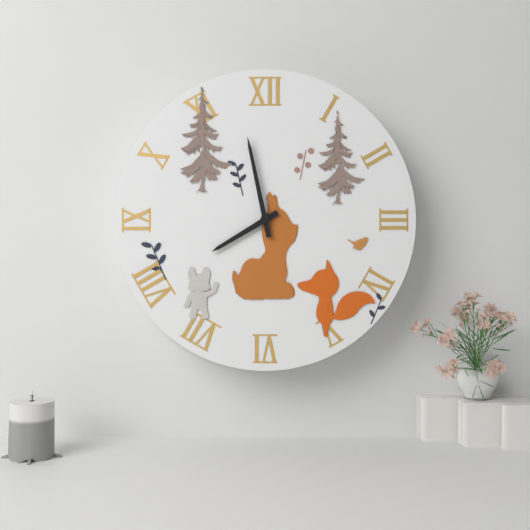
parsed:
7,58
